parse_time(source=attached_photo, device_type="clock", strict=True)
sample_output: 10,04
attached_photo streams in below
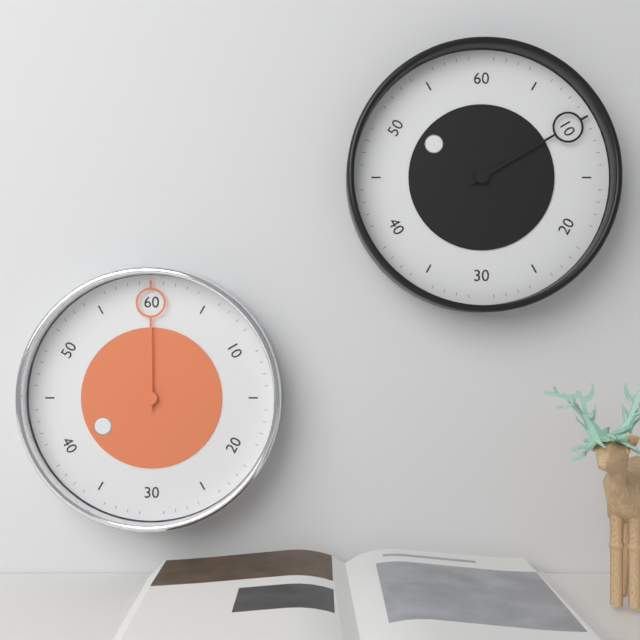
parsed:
8,00
